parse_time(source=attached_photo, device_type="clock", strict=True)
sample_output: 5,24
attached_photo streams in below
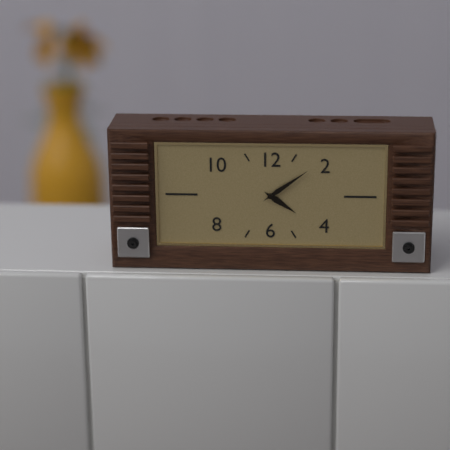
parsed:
4,09
